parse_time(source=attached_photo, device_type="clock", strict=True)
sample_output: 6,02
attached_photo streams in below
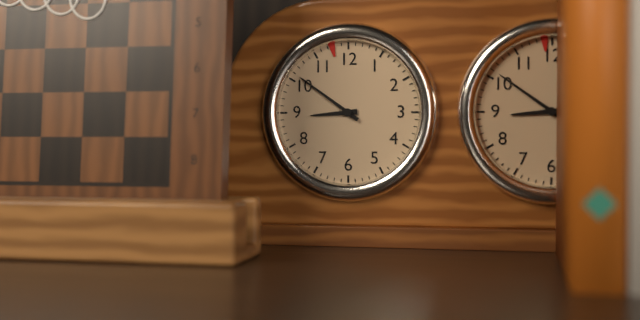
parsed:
8,51
